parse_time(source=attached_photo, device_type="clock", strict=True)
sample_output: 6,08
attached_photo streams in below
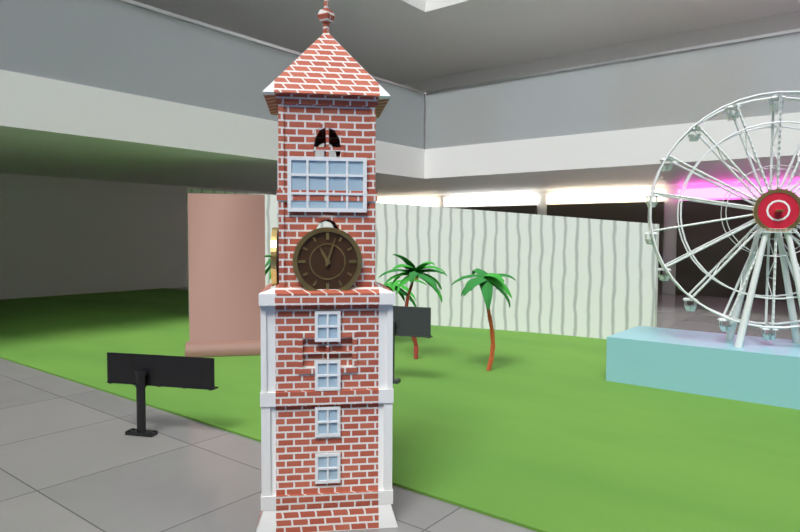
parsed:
11,03
